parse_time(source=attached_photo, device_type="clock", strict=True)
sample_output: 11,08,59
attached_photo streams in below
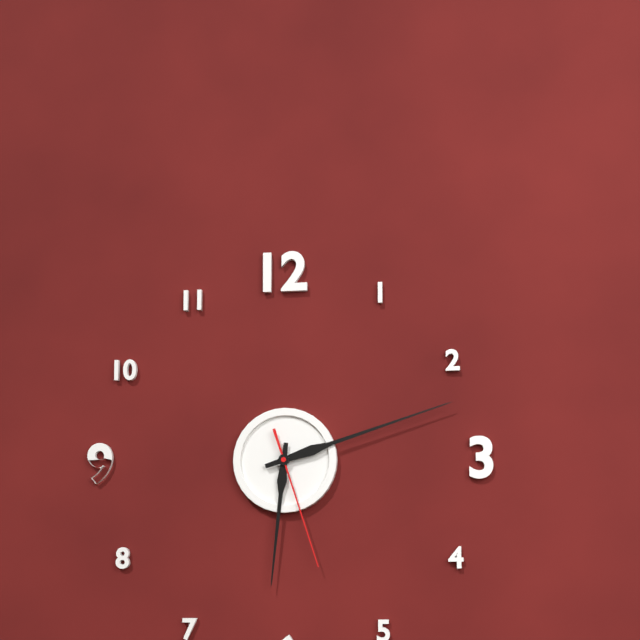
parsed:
6,12,27
